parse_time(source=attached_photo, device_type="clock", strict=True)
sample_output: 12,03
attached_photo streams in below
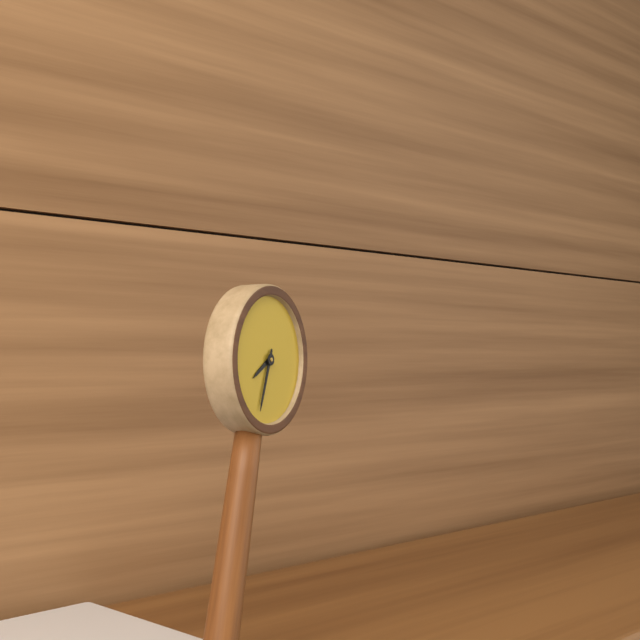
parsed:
7,31
